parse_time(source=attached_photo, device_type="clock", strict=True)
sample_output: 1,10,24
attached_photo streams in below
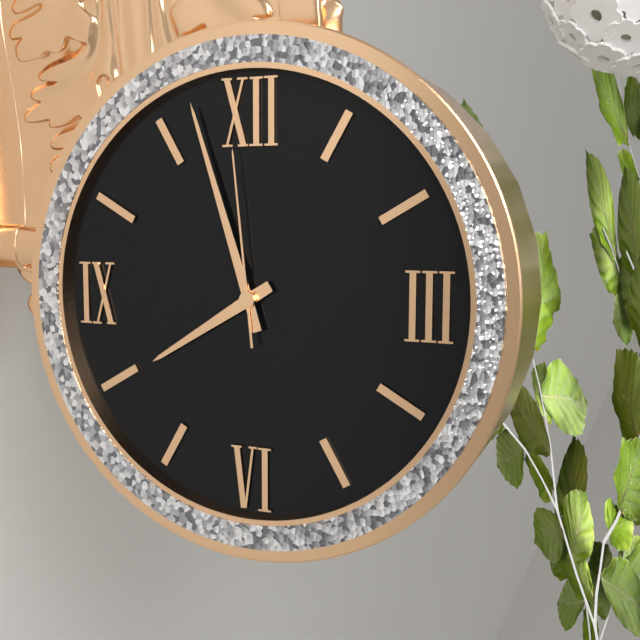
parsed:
7,57,59
